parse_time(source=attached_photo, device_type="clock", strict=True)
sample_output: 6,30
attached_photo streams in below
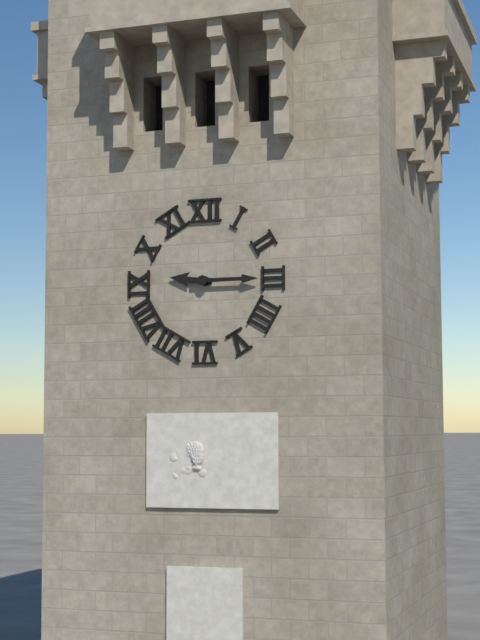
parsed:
9,15
